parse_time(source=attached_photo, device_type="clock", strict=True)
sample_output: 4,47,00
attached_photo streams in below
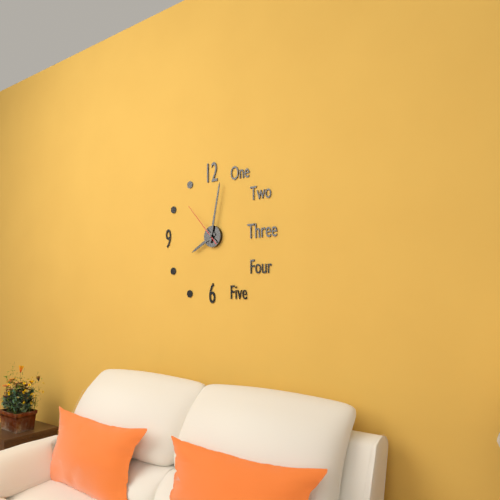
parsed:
8,02,53
